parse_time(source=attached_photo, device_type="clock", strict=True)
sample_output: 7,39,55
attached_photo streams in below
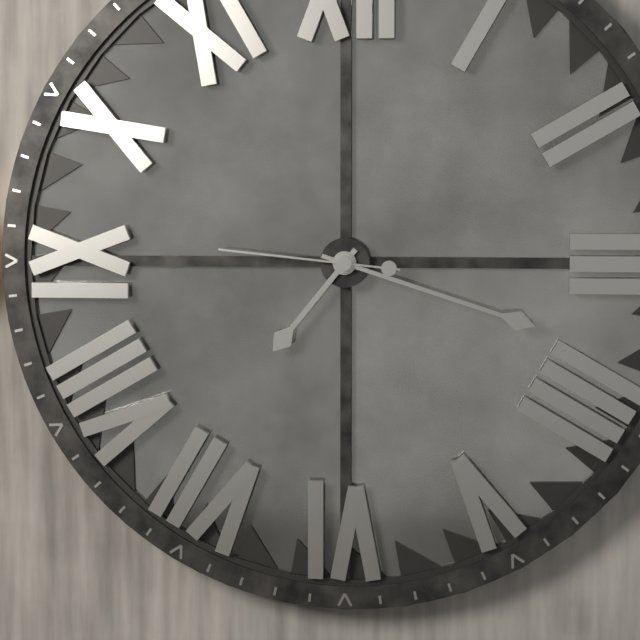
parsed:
7,18,46
